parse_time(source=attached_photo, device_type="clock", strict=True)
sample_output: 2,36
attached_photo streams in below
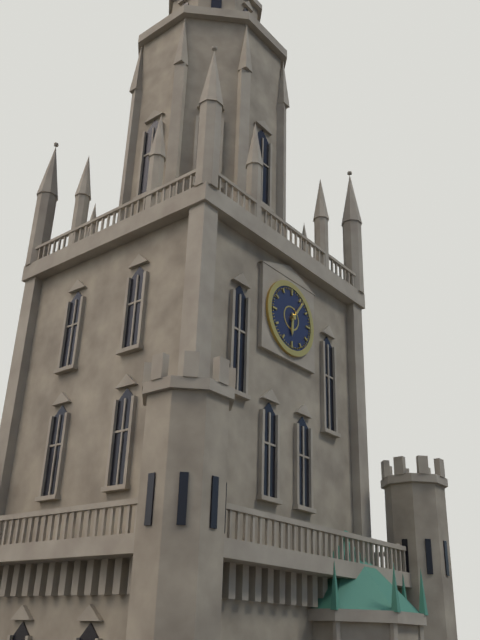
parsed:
6,06
